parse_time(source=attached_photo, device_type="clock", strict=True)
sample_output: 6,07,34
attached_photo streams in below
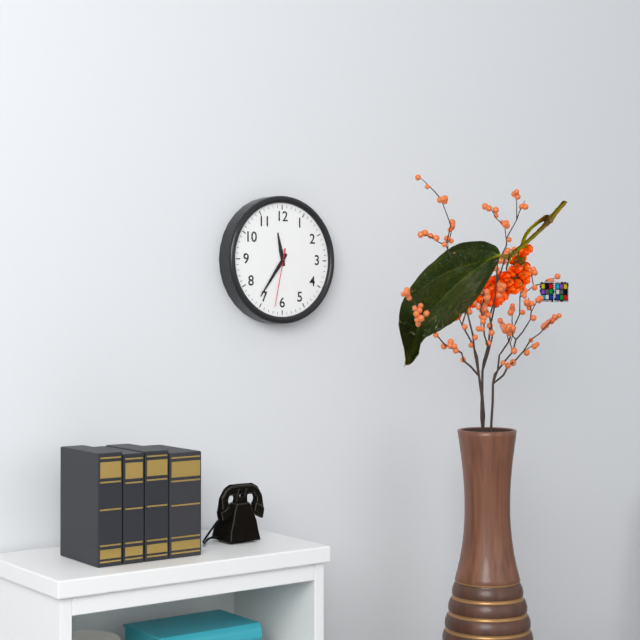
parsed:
11,36,32
